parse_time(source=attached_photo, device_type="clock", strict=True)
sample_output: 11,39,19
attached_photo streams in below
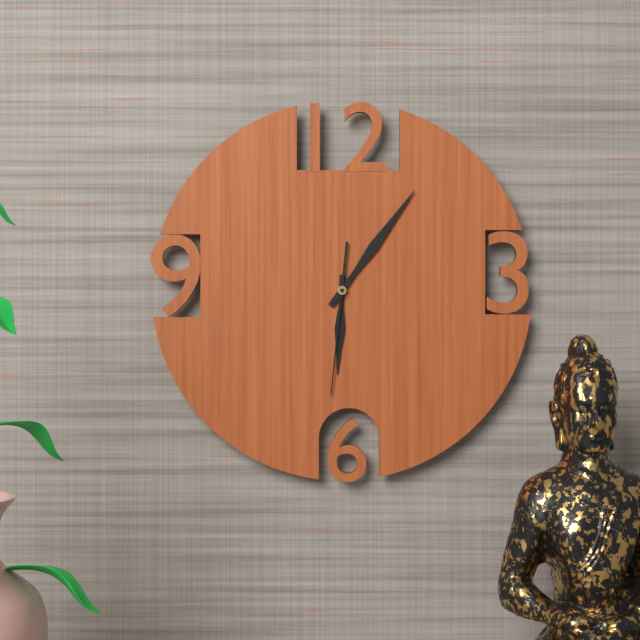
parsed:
6,06,31
